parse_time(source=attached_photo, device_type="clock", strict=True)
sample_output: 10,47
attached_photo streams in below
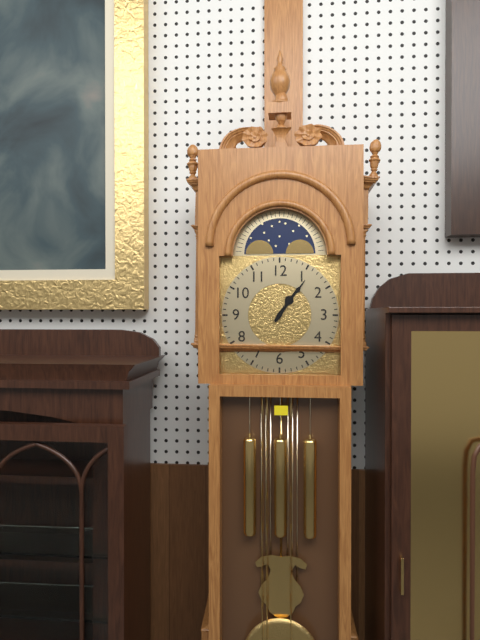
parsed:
1,06
